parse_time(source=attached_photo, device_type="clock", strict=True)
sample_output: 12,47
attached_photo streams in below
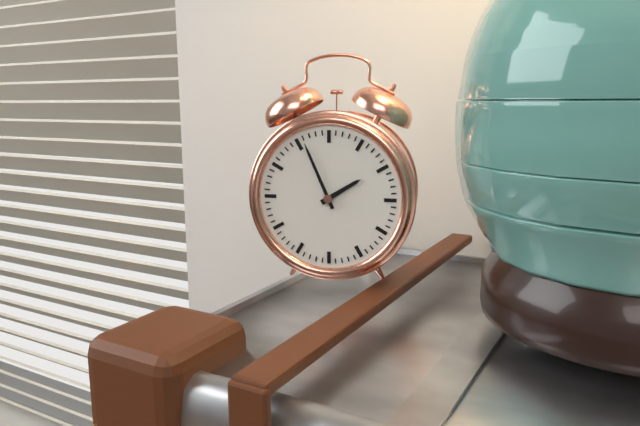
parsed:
1,56
